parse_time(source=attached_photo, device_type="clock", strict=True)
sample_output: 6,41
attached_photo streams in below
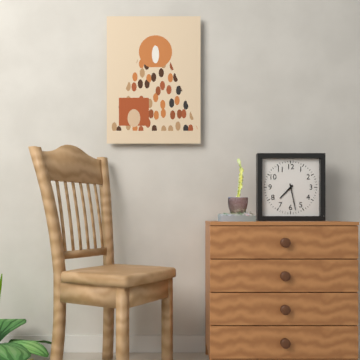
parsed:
7,28
